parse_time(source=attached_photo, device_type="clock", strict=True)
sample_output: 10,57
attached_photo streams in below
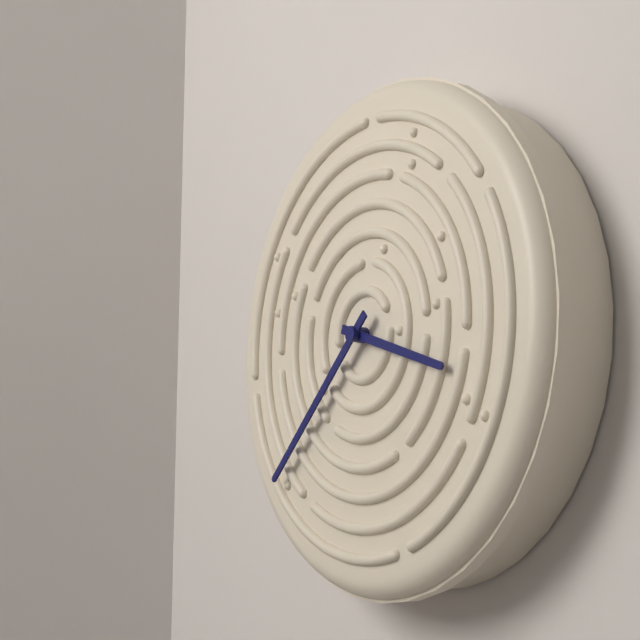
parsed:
3,38
